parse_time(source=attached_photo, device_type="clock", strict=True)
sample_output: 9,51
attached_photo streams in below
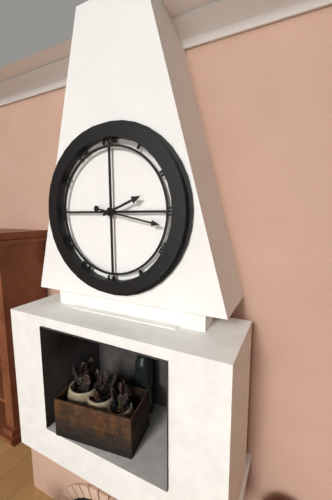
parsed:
2,17
